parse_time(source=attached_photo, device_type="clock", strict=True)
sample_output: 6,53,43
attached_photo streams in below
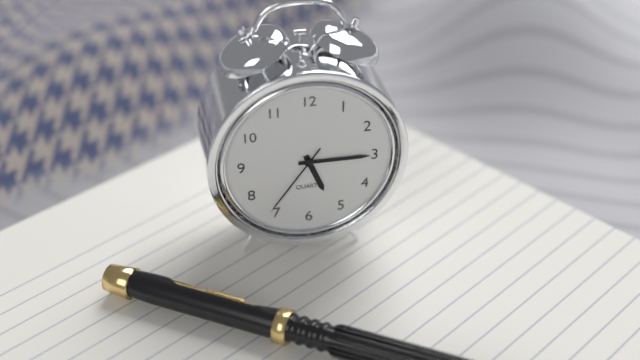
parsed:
5,15,36
